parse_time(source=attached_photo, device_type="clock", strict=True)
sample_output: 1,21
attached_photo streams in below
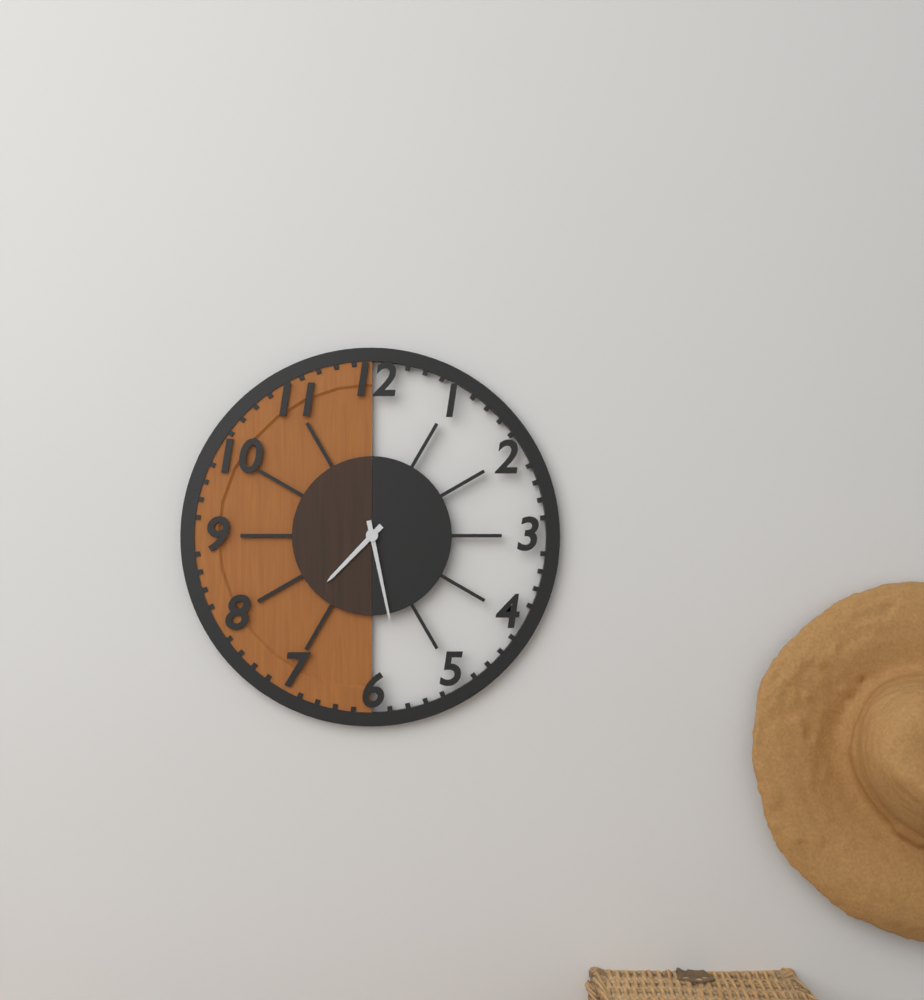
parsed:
7,28
